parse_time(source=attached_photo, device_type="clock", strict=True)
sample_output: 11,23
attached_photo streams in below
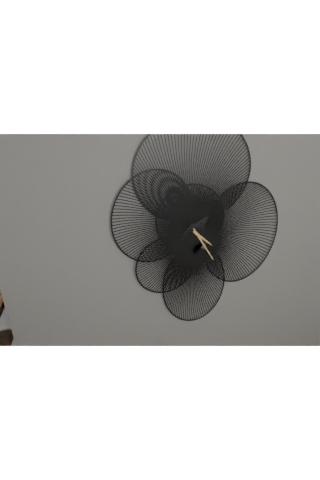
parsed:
4,25
